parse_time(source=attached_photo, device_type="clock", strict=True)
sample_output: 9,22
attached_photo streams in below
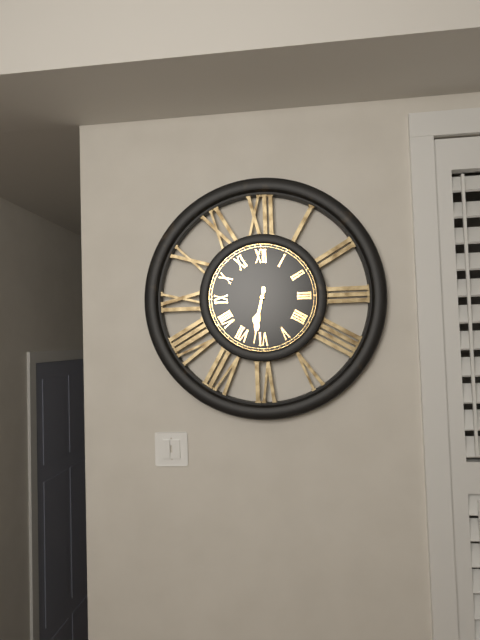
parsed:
6,32
